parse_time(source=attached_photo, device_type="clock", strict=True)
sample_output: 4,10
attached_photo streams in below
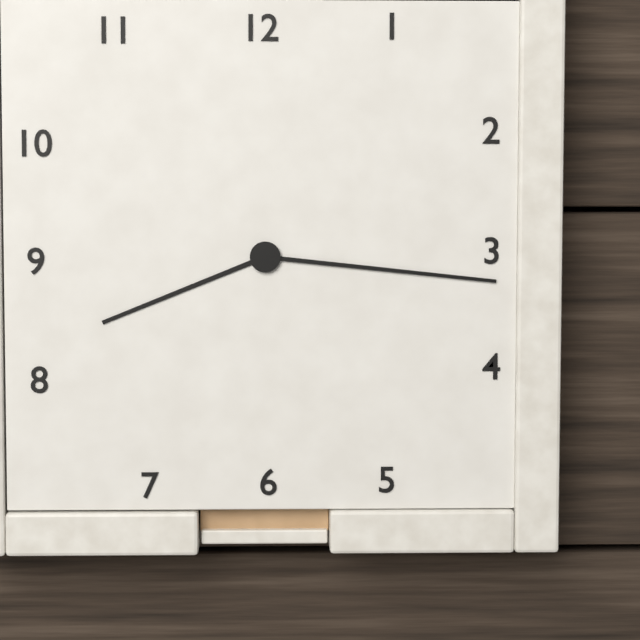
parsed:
8,16
